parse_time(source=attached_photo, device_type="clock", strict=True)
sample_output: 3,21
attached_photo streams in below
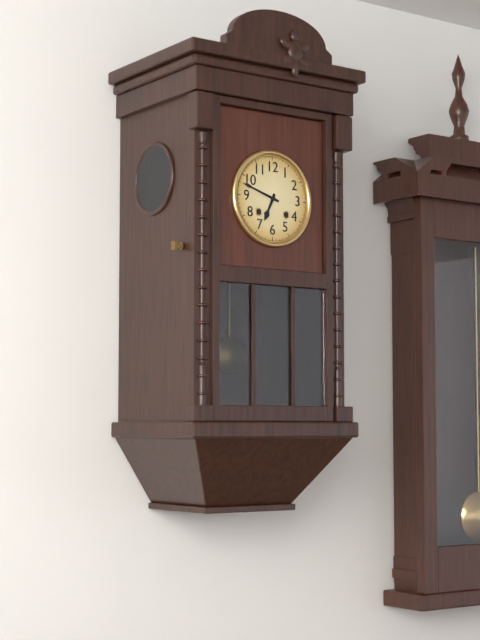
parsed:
6,48
